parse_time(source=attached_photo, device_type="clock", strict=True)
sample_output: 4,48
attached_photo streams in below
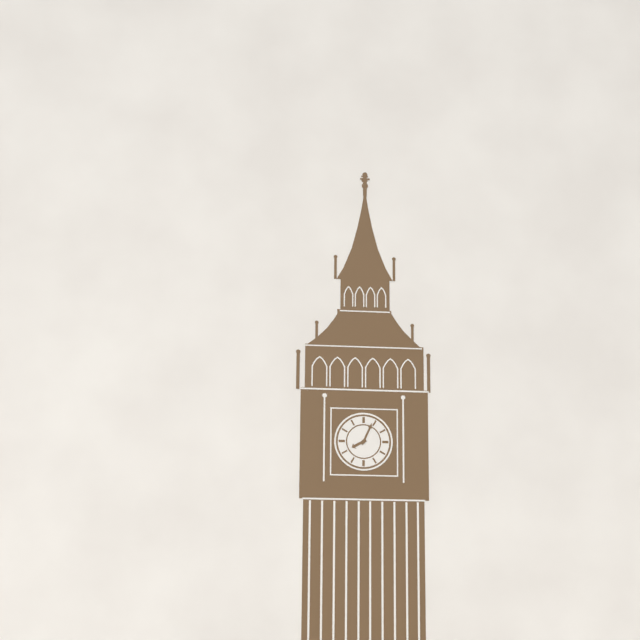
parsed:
8,04
